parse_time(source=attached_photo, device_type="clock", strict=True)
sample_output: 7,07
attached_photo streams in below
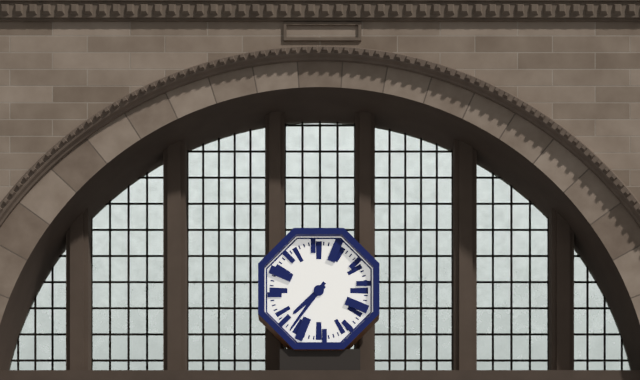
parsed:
7,36
